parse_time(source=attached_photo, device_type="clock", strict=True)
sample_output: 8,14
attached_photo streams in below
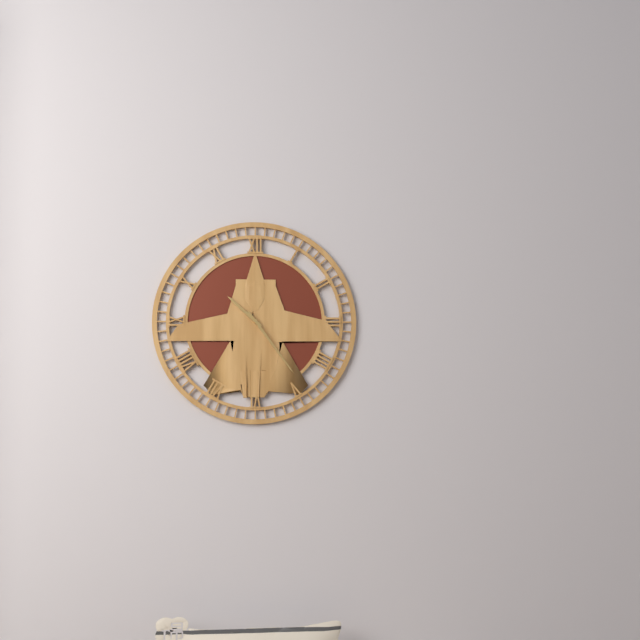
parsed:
10,24
